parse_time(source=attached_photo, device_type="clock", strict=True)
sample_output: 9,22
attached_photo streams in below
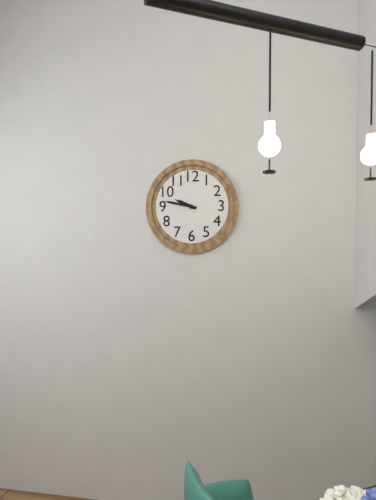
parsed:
9,47
